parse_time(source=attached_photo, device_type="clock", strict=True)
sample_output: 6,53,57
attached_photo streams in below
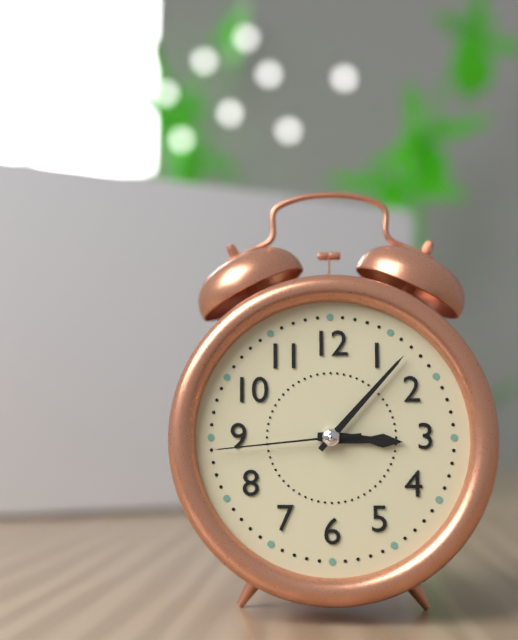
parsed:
3,07,44
